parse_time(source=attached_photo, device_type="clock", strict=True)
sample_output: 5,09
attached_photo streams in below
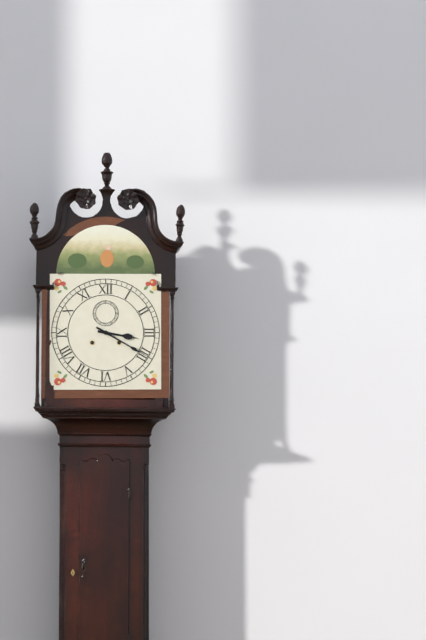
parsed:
3,20
